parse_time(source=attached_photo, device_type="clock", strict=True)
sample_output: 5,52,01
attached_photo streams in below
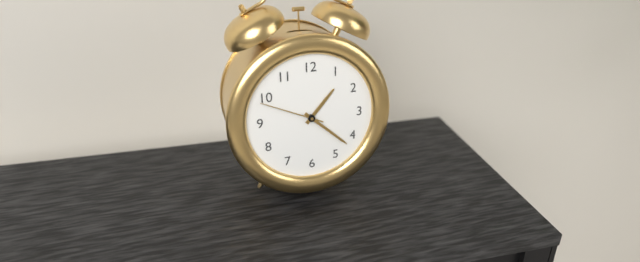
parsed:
1,22,49
